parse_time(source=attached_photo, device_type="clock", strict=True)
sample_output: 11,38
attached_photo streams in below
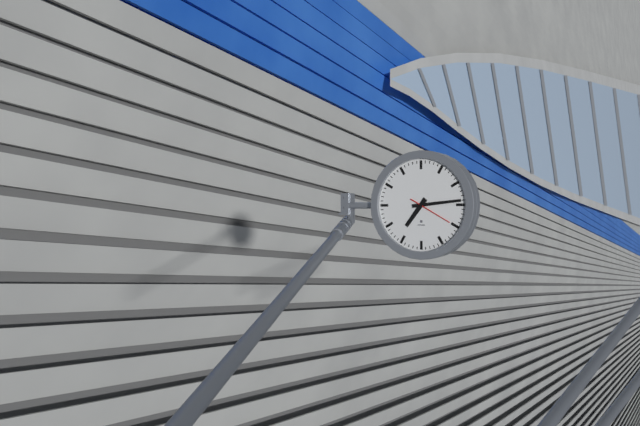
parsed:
7,14
